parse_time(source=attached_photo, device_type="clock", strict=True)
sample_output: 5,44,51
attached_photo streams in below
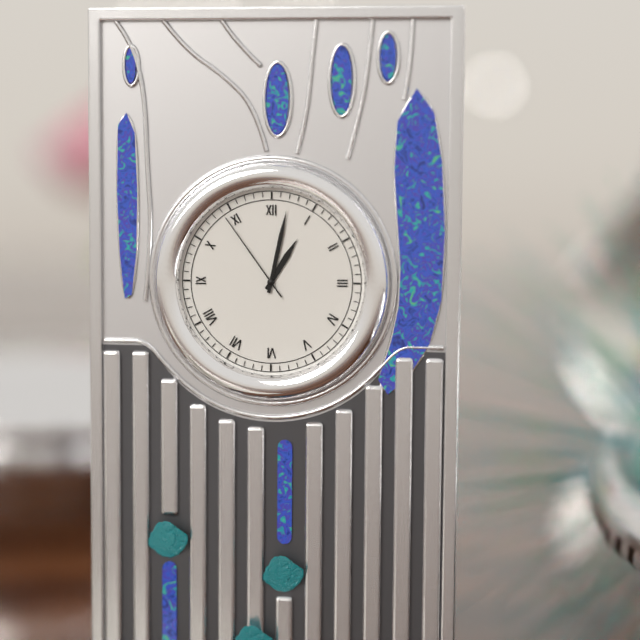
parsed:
1,02,54
